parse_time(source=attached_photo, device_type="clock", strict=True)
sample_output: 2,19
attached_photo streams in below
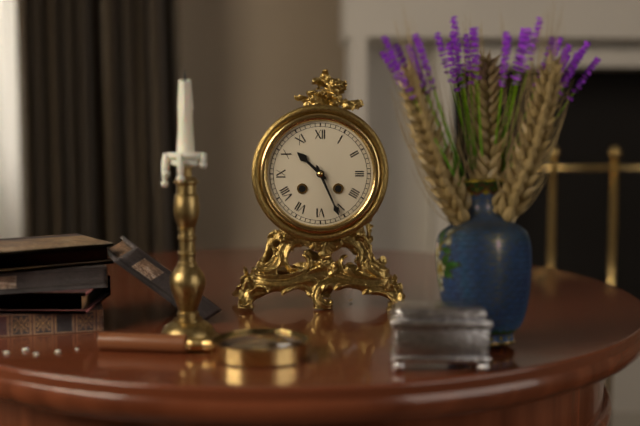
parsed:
10,26
